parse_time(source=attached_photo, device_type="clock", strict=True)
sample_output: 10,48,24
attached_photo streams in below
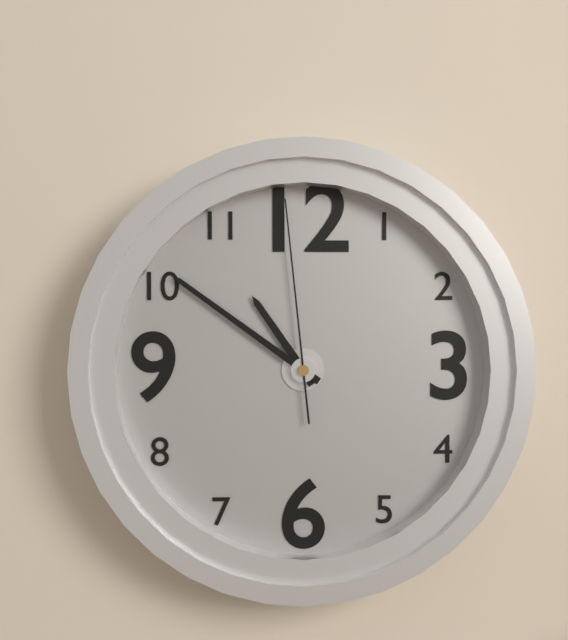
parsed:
10,51,59
